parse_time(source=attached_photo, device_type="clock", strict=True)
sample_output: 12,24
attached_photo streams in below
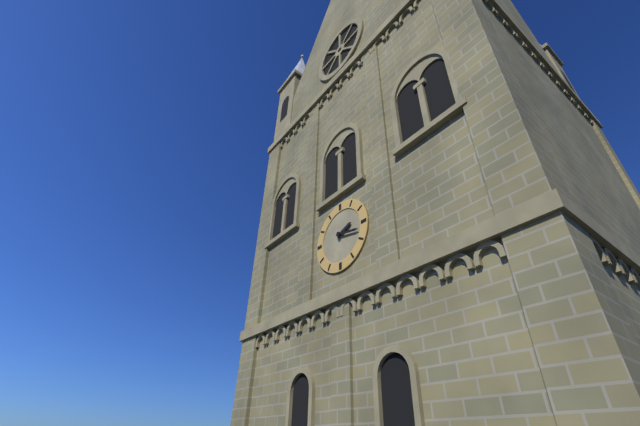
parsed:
2,17
